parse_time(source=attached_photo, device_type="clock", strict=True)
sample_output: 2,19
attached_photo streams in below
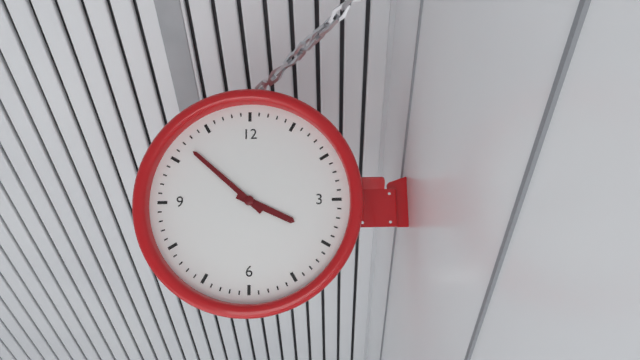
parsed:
3,52
